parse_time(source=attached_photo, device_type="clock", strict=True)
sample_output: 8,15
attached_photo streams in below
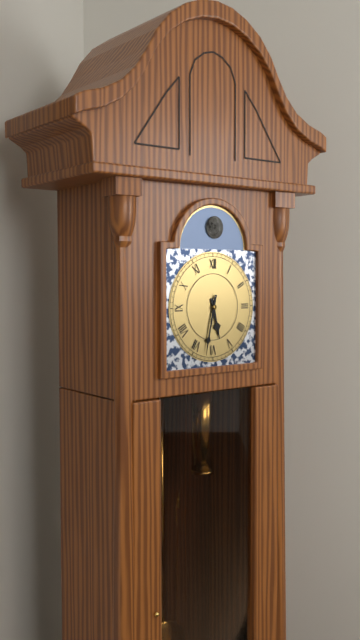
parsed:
5,32
